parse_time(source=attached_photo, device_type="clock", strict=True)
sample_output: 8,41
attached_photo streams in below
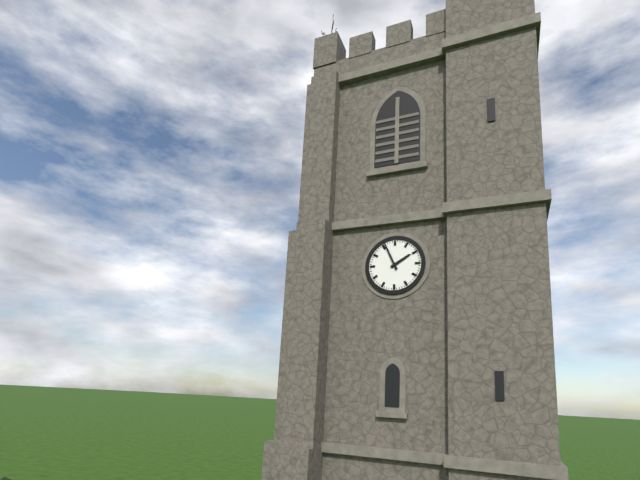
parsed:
1,56
